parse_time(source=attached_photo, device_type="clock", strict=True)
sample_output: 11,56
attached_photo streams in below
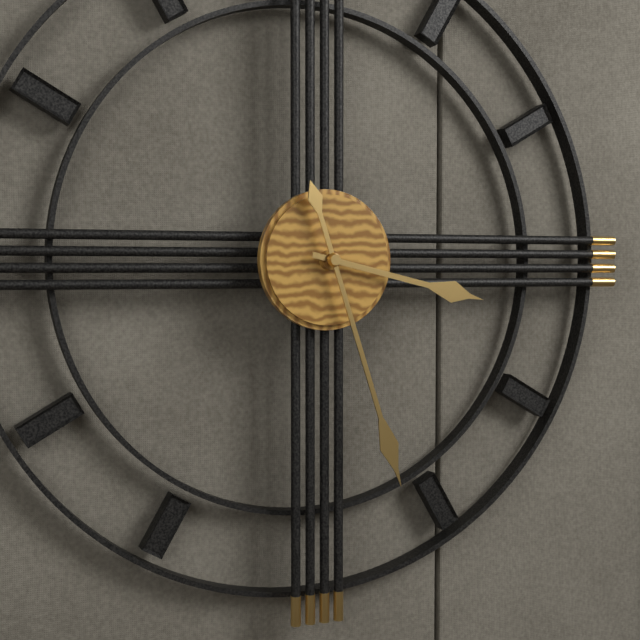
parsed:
3,27
